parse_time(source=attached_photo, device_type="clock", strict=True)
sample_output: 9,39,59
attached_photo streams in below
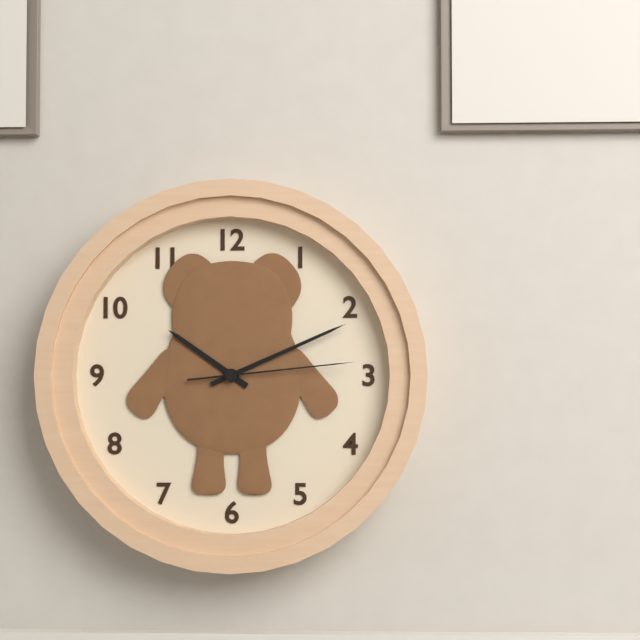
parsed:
10,11,14
